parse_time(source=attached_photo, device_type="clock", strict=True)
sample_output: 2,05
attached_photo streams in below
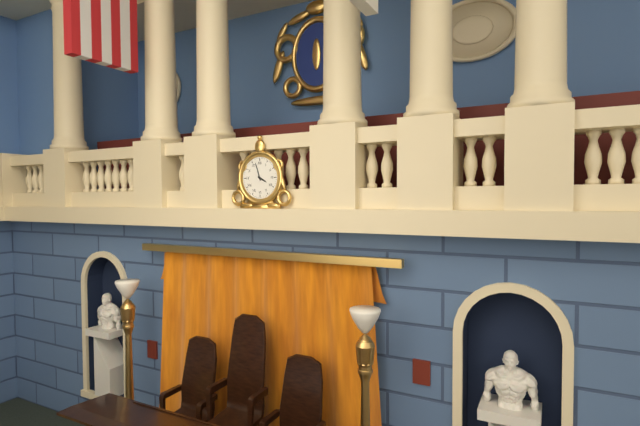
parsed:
3,57
